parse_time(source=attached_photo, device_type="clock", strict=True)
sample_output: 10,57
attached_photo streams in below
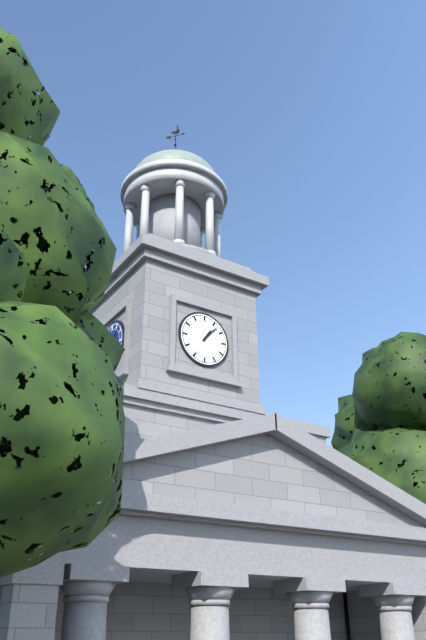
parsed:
1,07
